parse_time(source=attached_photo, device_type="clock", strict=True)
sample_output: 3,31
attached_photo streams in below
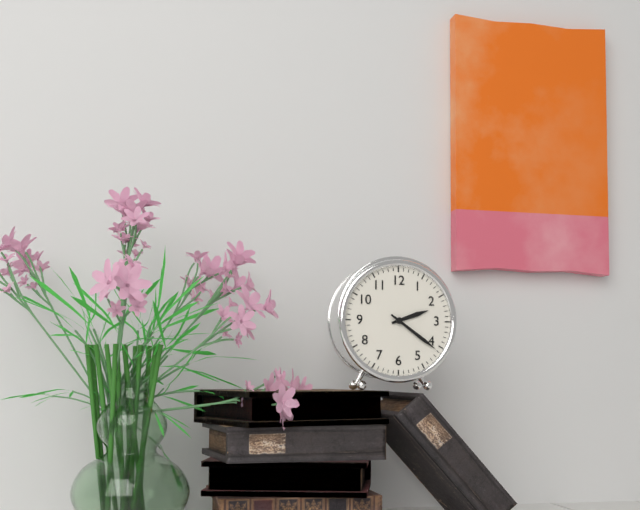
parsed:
2,21
